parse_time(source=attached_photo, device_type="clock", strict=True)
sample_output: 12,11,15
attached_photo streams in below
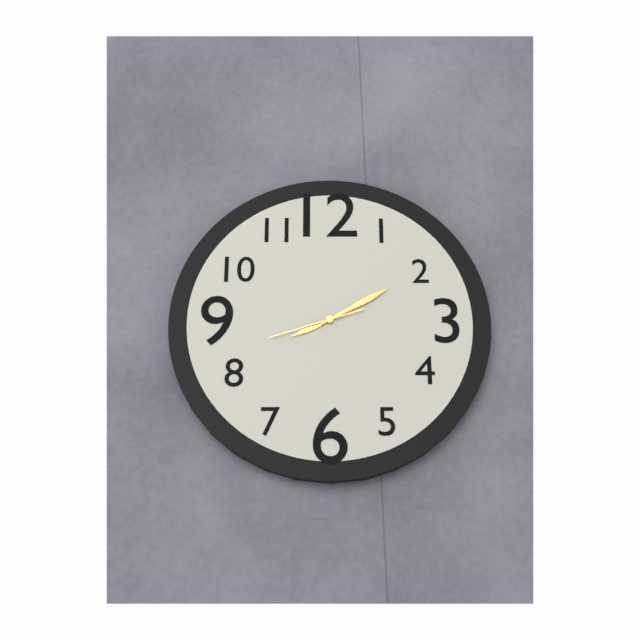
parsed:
8,10,42
